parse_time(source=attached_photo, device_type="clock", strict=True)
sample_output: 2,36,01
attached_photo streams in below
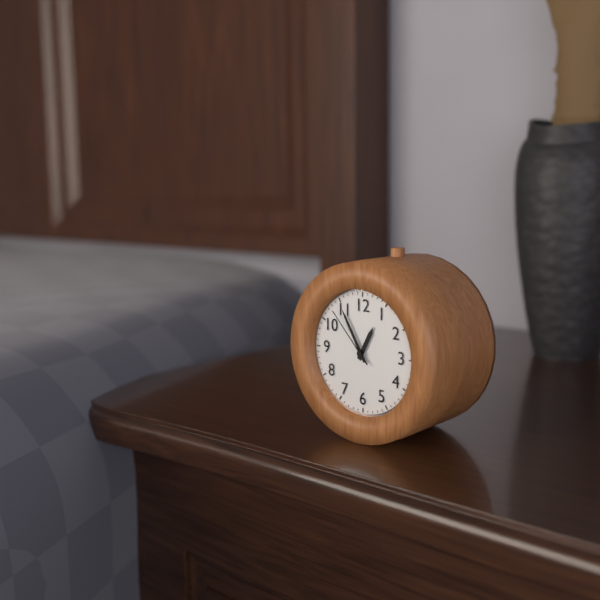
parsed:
12,55,53
